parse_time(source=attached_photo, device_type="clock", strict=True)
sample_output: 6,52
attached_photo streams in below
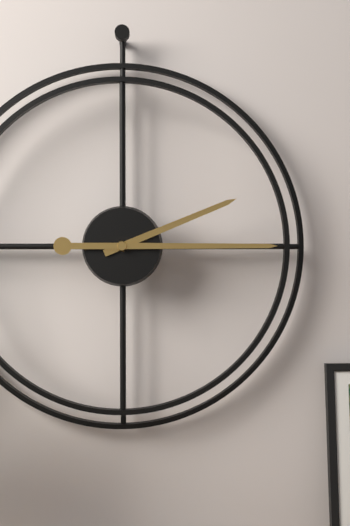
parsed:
2,15
